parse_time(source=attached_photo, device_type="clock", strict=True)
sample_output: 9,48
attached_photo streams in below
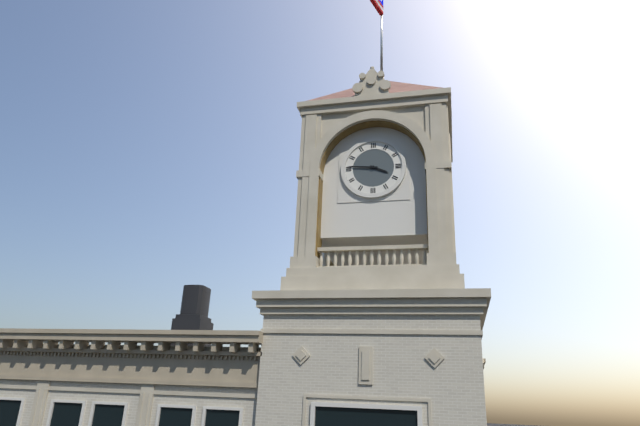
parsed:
3,46
